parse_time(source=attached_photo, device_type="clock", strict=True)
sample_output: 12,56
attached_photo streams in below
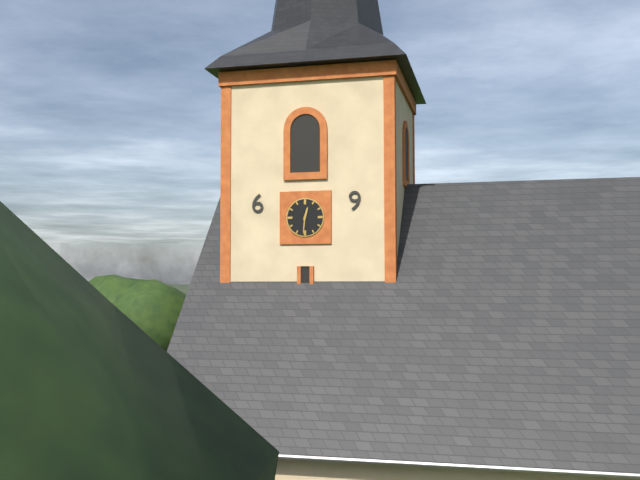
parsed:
12,31
